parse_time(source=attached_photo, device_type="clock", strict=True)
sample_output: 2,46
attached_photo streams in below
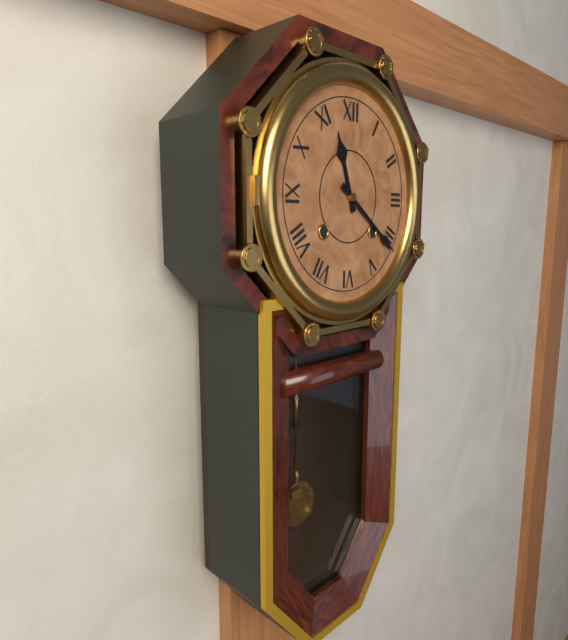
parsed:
11,21
